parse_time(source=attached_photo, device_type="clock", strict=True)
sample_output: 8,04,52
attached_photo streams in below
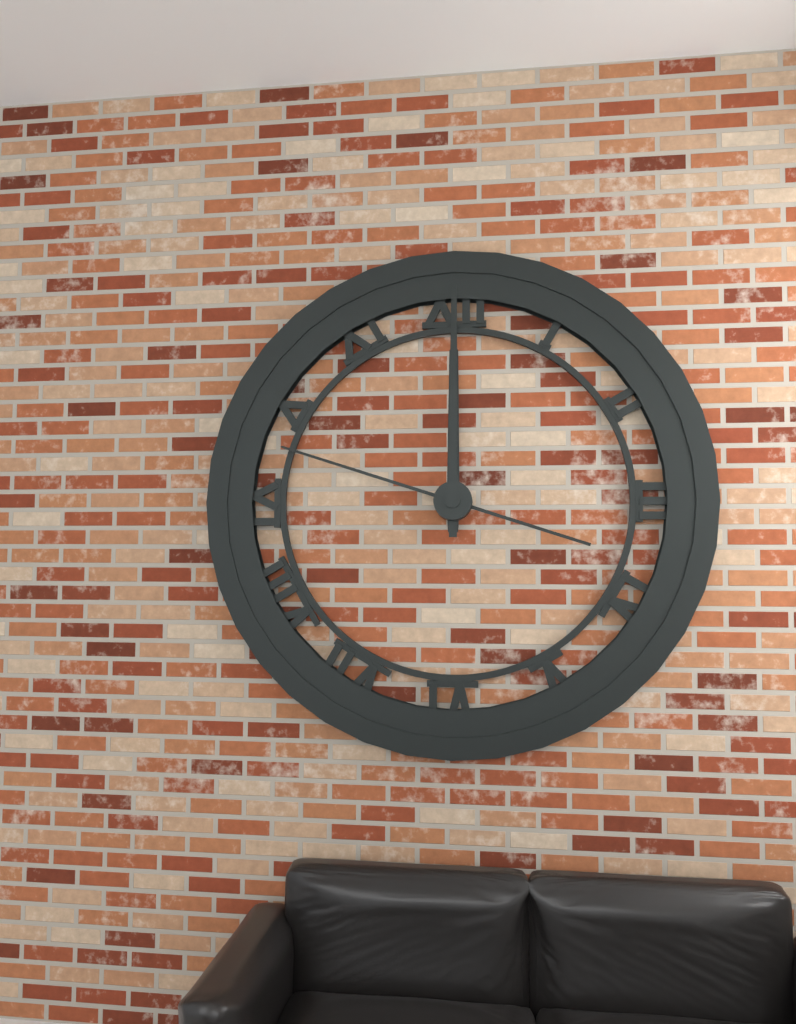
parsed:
12,00,48
